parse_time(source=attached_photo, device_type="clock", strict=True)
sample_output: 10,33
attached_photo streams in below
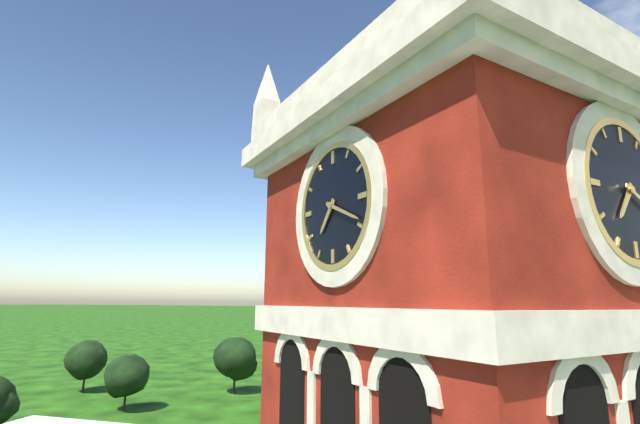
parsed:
7,19
